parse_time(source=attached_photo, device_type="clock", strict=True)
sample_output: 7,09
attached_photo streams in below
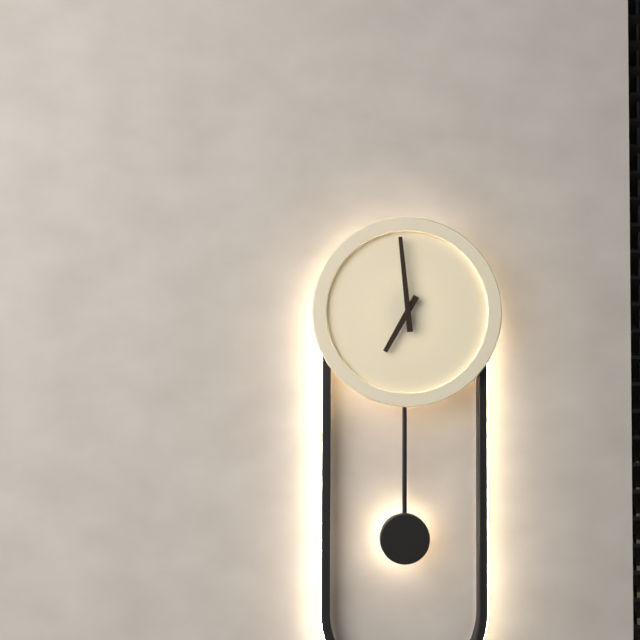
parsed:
6,59
